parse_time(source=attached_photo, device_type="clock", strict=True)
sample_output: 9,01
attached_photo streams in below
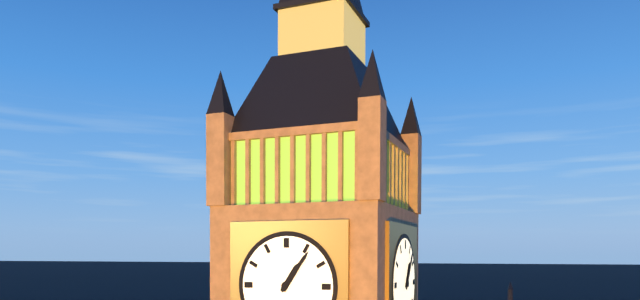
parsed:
1,06
